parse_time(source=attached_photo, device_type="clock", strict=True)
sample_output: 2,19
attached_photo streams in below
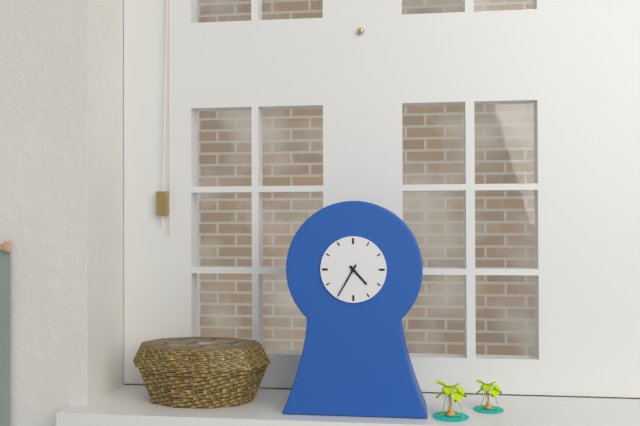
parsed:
4,35
